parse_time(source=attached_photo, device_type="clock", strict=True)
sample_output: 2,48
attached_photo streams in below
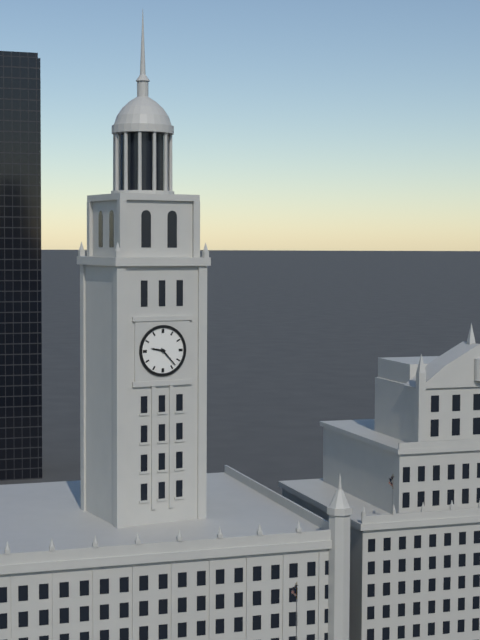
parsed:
9,23
